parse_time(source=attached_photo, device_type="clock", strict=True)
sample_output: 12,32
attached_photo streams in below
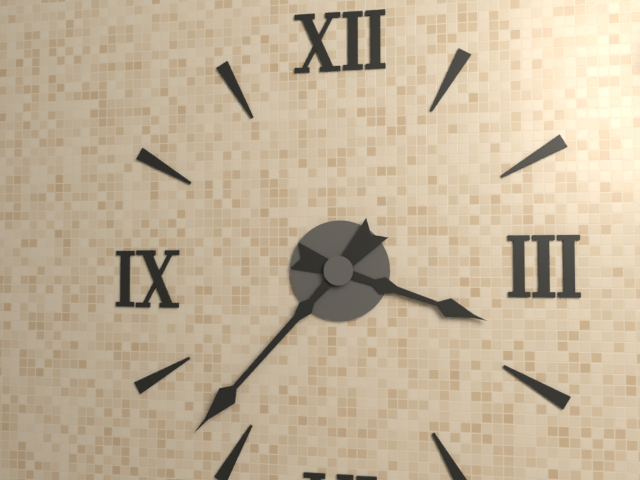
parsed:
3,37
